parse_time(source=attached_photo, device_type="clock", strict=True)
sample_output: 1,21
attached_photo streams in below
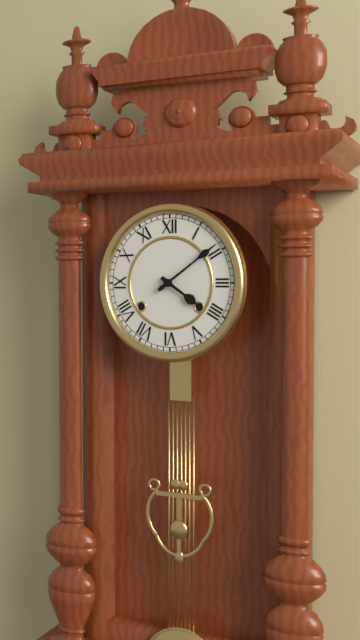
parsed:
4,09
